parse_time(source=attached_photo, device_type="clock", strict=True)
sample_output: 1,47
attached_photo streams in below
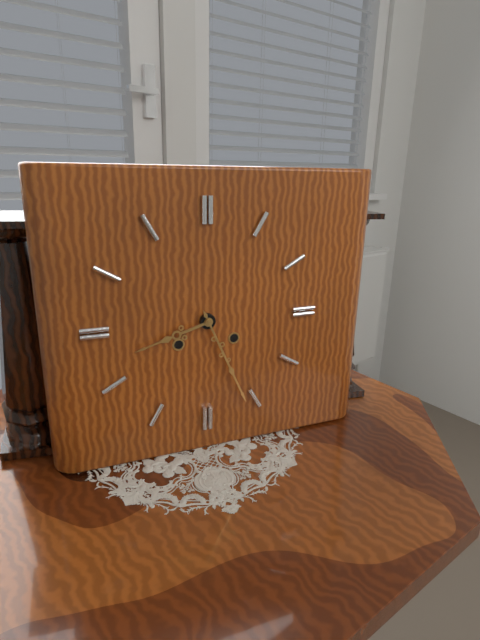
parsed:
8,26
